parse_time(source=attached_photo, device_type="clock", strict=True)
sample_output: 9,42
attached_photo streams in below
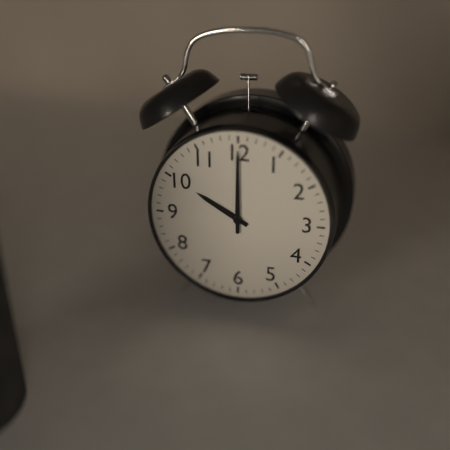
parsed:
10,00
